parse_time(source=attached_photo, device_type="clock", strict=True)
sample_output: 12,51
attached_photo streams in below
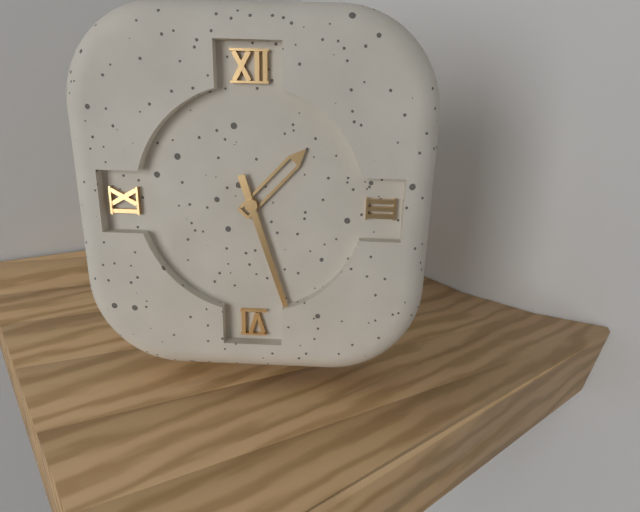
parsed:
1,27
